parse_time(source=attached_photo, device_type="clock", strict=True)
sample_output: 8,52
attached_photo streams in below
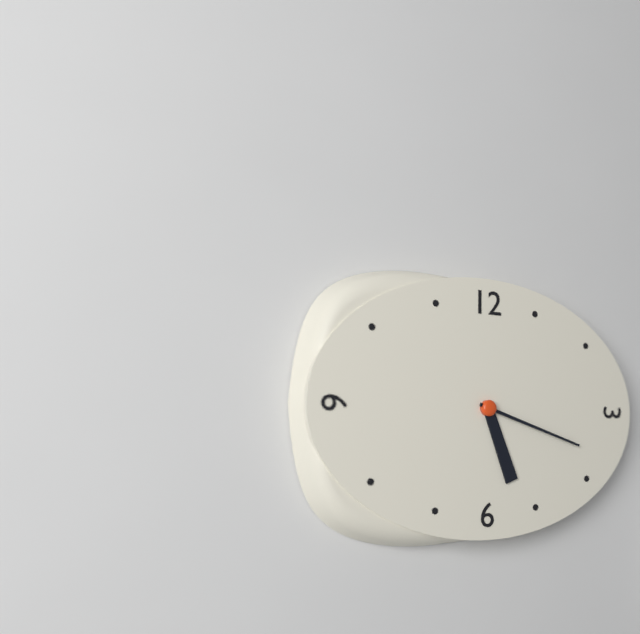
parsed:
5,18
